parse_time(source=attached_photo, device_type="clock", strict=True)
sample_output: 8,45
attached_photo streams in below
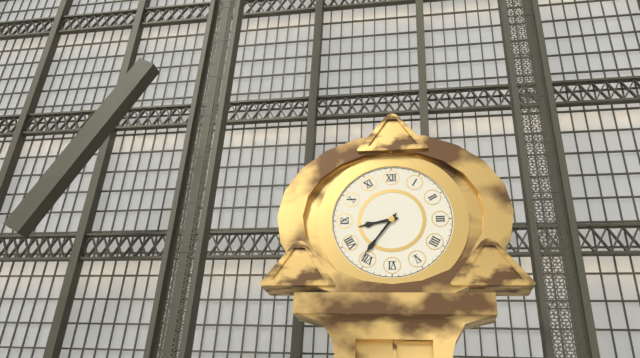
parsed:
8,36
